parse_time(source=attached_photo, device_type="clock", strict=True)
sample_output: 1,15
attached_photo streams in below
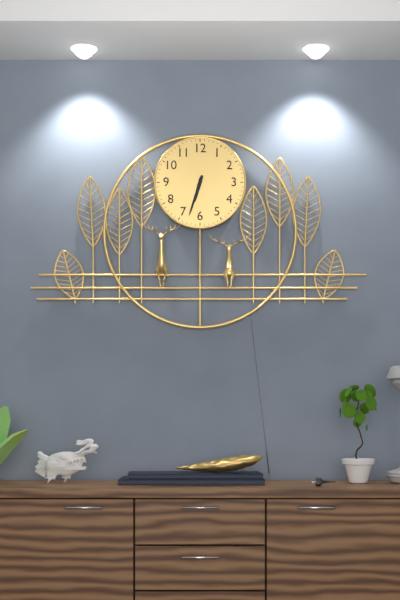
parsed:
6,33
